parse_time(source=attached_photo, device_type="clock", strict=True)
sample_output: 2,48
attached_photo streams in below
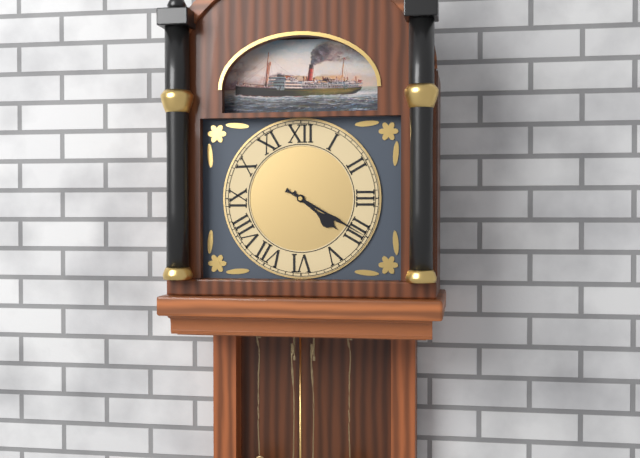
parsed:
4,20
